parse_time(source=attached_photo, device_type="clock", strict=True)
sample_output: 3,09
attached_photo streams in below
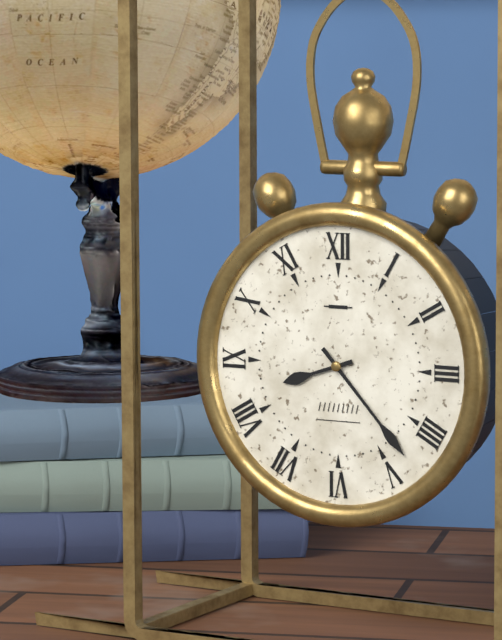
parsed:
8,23
